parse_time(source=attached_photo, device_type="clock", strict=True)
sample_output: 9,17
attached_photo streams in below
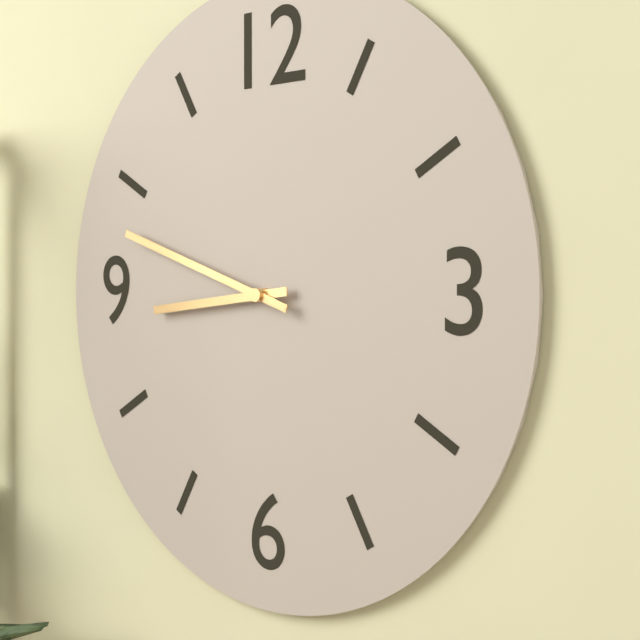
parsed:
8,48
